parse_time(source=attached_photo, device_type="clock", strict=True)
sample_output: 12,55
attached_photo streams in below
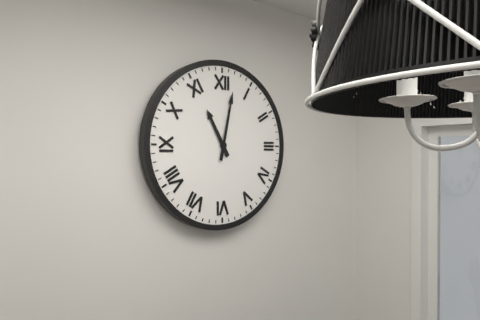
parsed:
11,02
